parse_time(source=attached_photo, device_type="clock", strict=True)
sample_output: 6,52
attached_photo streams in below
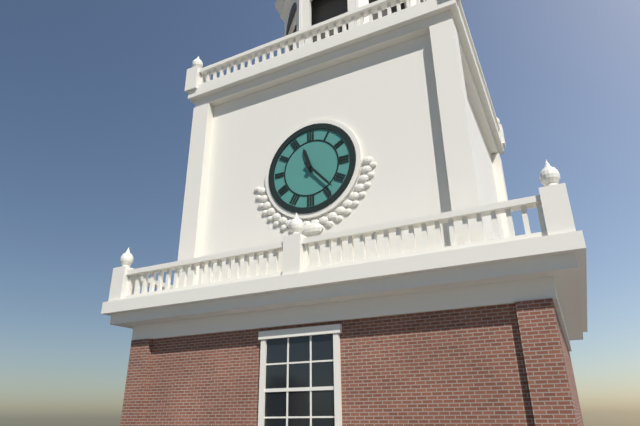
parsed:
11,23
